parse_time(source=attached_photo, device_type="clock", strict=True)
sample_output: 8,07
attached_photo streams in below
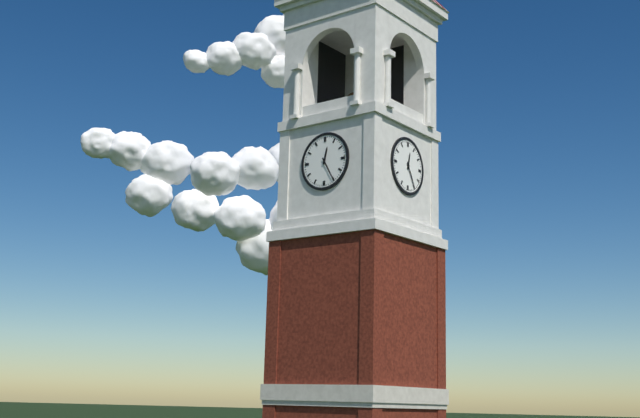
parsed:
12,25
